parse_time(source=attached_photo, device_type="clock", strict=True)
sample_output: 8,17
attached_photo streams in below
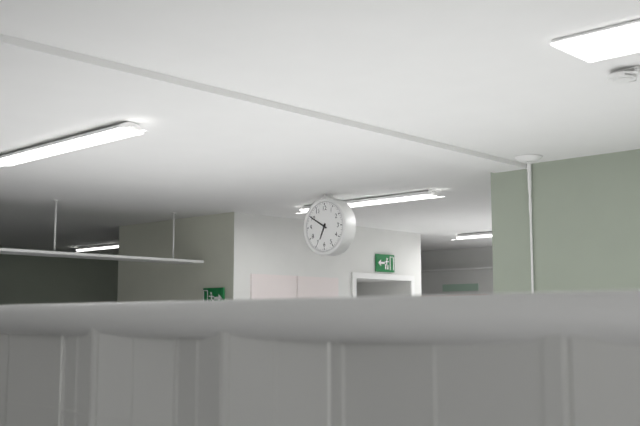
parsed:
6,50
